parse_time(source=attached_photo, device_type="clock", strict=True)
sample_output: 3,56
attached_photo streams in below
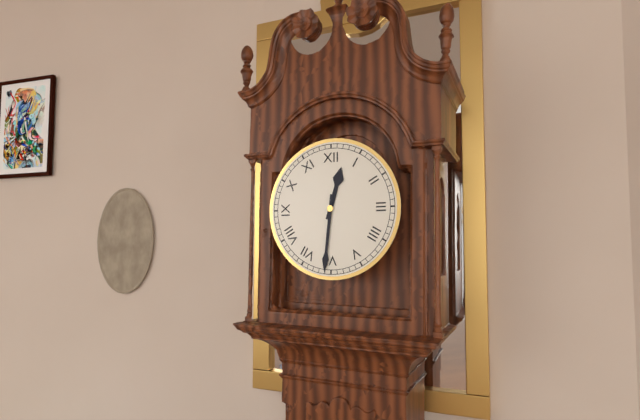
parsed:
12,31
